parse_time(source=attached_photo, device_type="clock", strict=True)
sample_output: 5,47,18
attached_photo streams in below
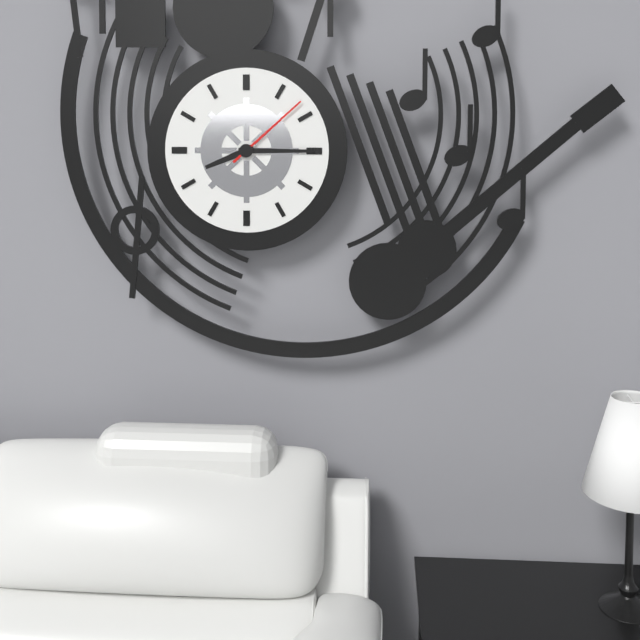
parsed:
8,15,08
